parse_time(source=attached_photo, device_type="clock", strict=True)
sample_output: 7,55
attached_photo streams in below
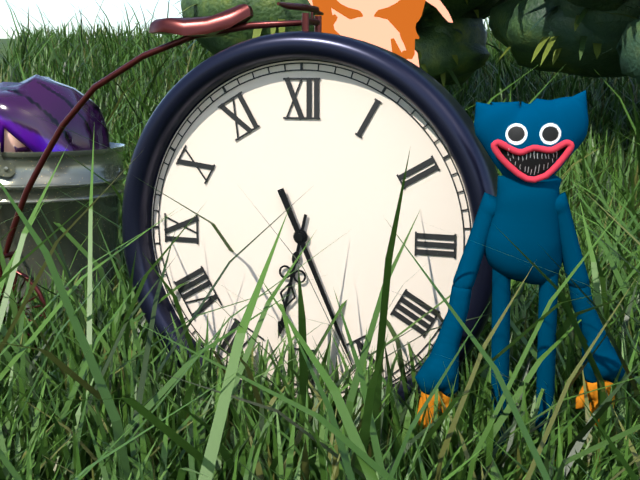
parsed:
6,26
